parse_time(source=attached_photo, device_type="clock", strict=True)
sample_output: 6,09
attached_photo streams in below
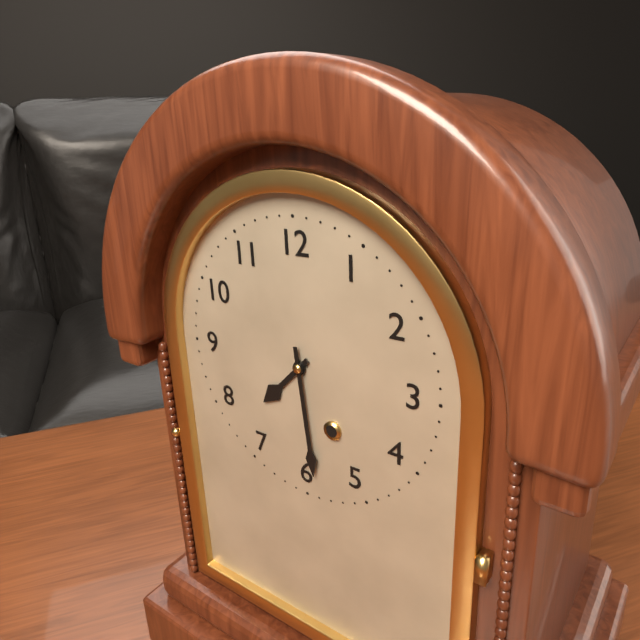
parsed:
7,29
